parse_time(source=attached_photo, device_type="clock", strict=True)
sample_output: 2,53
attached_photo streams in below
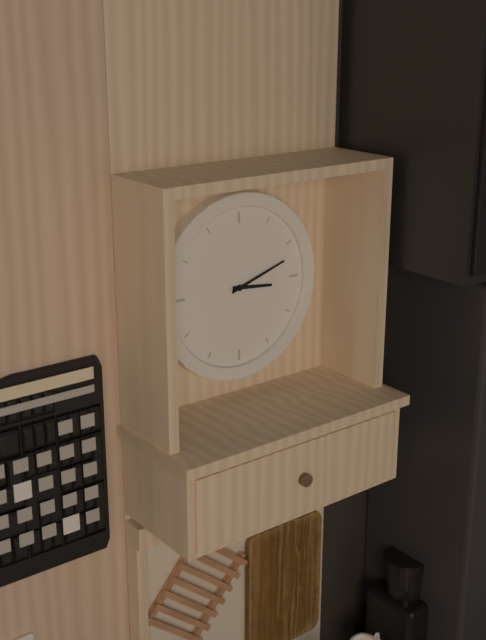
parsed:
3,12
